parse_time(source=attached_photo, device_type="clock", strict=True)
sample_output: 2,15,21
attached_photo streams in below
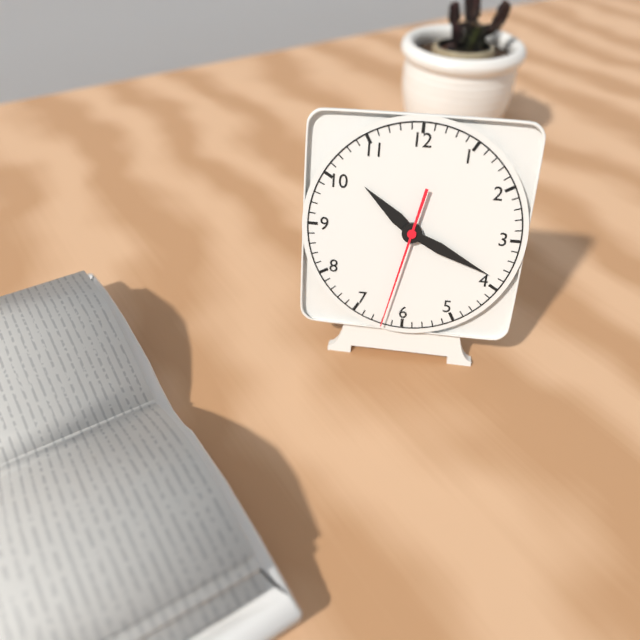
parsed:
10,19,32
